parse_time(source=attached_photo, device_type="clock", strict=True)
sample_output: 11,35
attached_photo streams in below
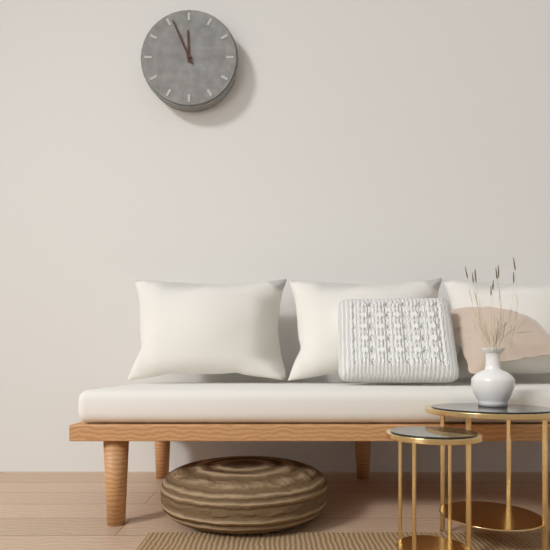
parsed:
11,56
